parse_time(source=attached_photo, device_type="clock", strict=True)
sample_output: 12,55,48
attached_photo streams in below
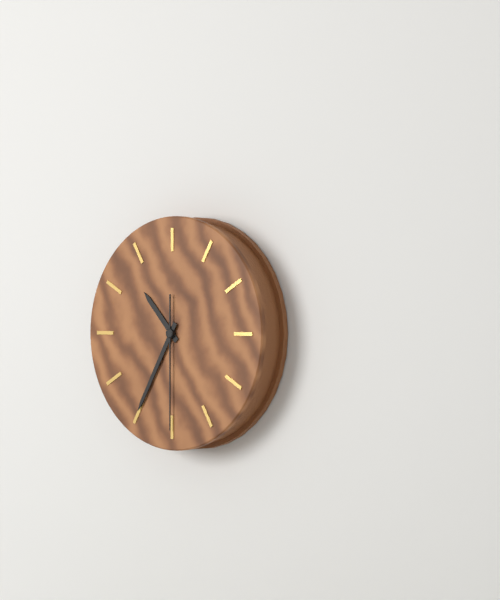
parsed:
10,35,30
